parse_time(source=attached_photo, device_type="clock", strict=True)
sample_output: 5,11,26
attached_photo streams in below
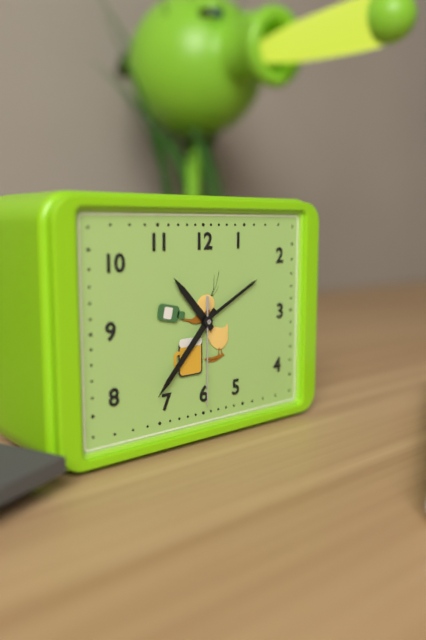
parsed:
10,37,30
